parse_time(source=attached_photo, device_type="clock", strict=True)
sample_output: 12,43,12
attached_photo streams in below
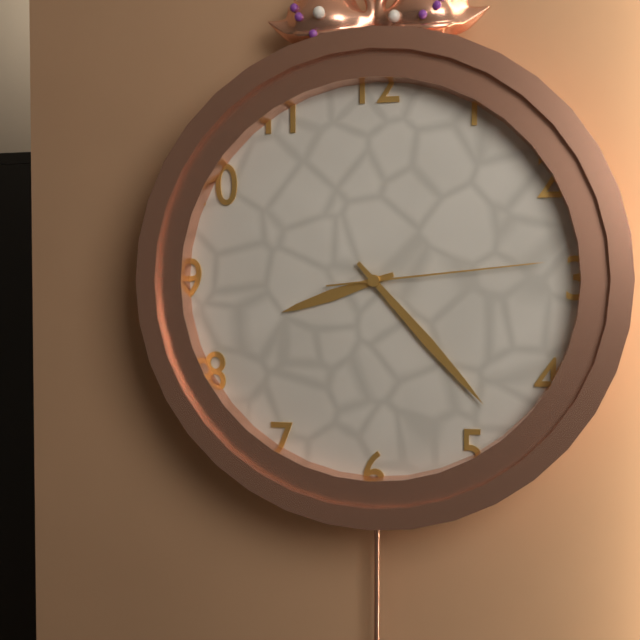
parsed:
8,23,14
